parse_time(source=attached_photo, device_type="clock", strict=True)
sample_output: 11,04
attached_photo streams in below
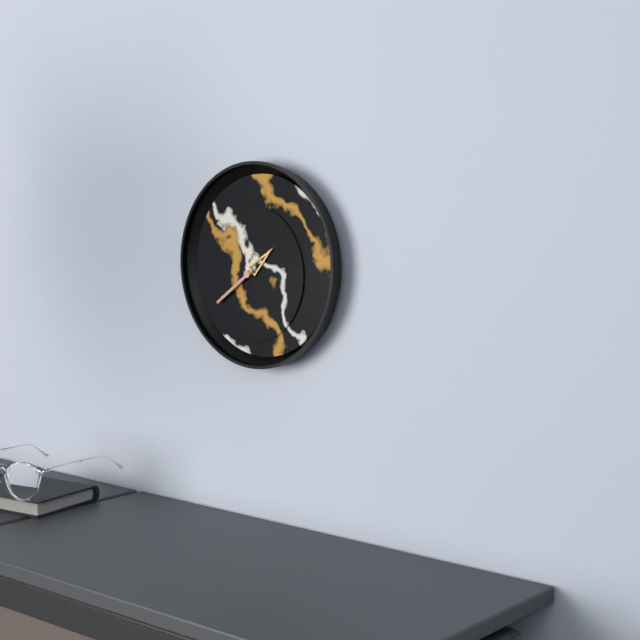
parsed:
1,39
